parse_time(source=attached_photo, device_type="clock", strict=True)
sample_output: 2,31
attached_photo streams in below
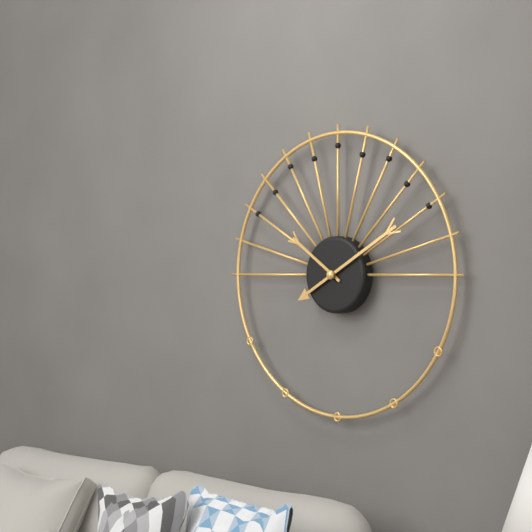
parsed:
10,10
